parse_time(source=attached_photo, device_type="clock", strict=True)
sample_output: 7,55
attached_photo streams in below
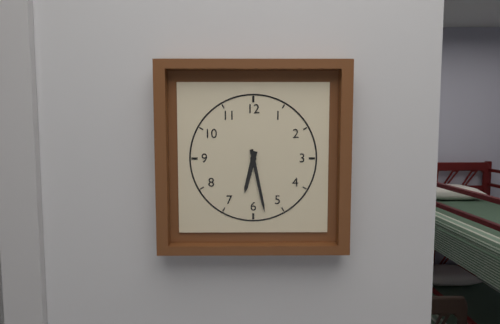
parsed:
6,28
